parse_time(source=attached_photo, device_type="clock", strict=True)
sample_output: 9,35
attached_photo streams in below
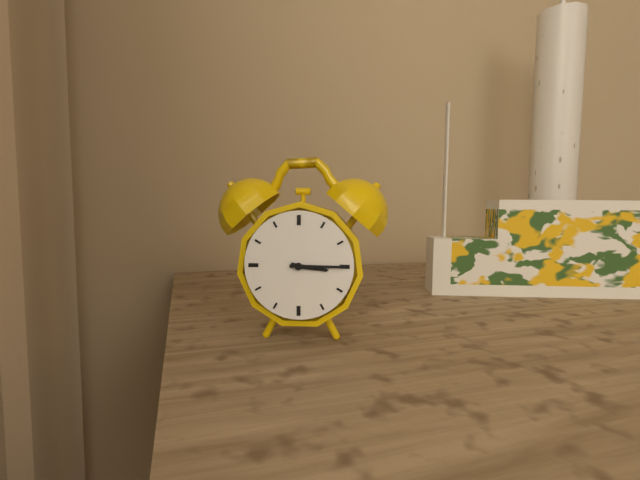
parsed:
3,15
